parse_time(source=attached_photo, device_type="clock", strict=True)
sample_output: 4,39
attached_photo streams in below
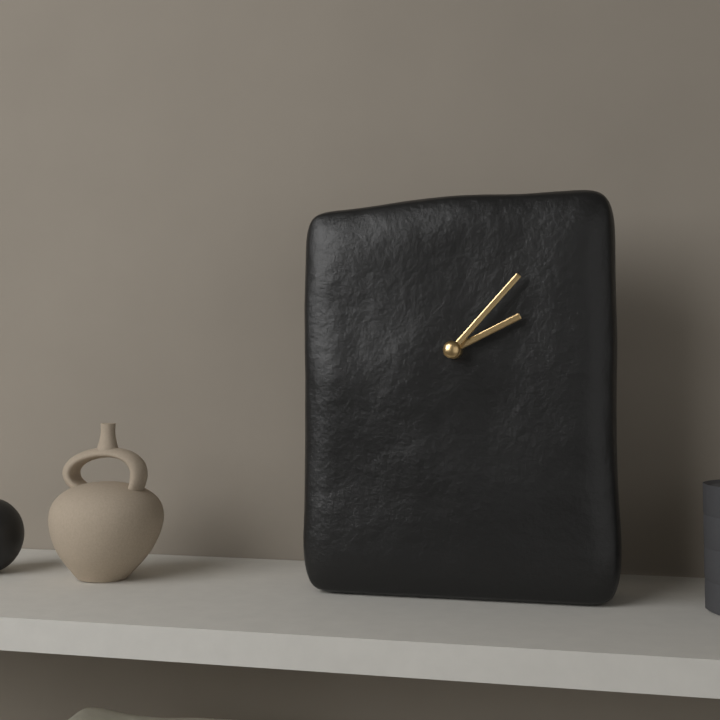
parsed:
2,07
